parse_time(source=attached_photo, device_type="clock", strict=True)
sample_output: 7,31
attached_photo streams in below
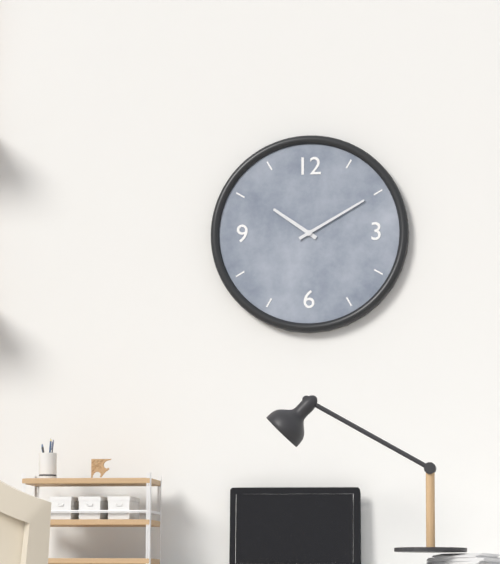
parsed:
10,10
